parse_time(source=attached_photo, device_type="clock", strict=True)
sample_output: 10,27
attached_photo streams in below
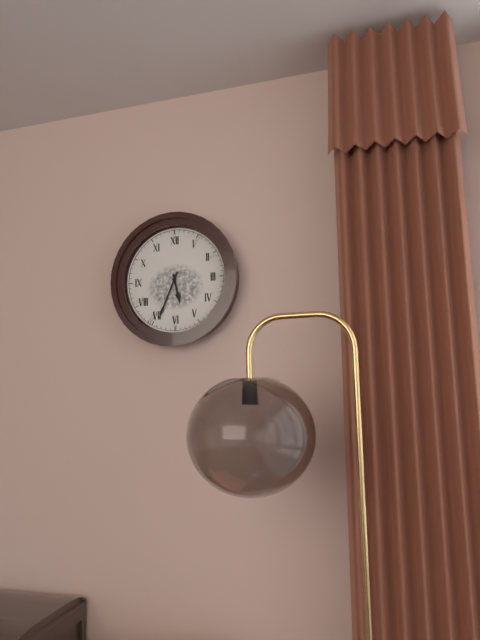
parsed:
5,34
